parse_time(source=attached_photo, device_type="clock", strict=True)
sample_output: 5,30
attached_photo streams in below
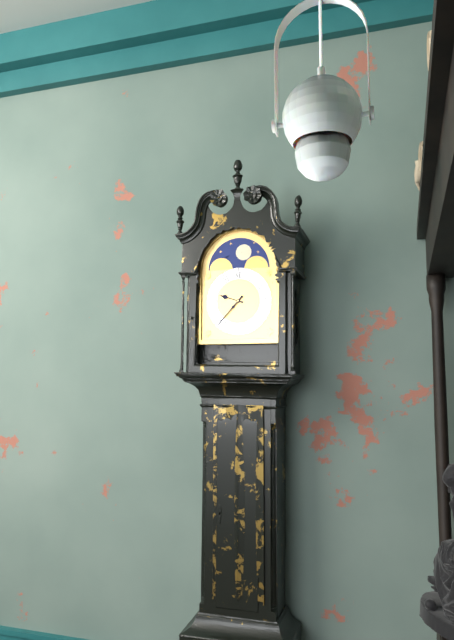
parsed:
9,37
